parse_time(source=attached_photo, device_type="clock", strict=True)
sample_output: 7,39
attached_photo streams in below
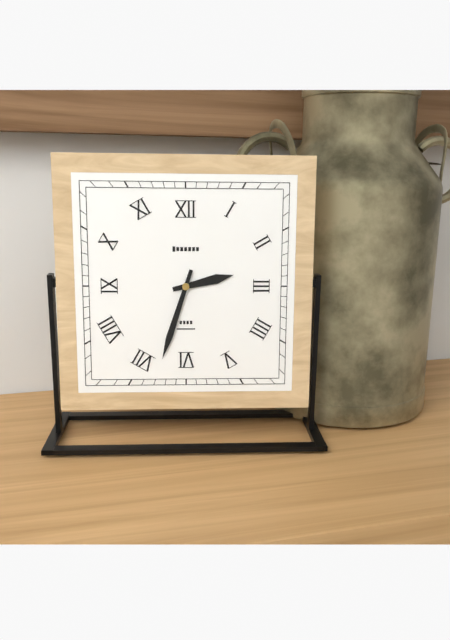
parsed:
2,33
